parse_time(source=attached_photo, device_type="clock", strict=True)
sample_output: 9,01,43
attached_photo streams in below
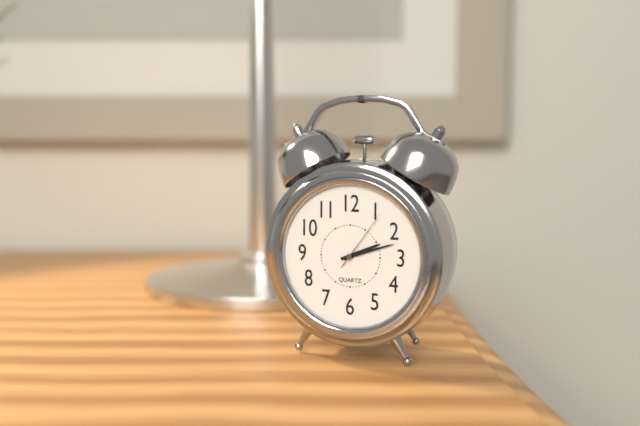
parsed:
2,12,06
